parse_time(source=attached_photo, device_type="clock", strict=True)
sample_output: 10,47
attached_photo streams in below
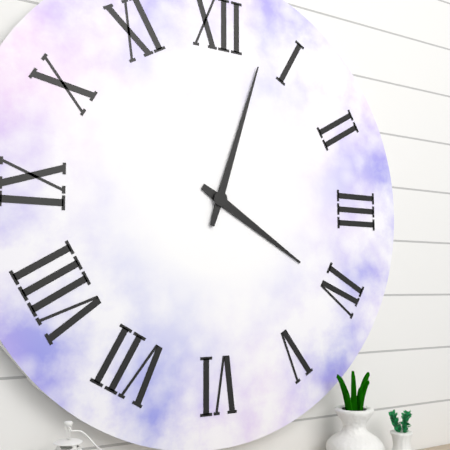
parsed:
4,03
